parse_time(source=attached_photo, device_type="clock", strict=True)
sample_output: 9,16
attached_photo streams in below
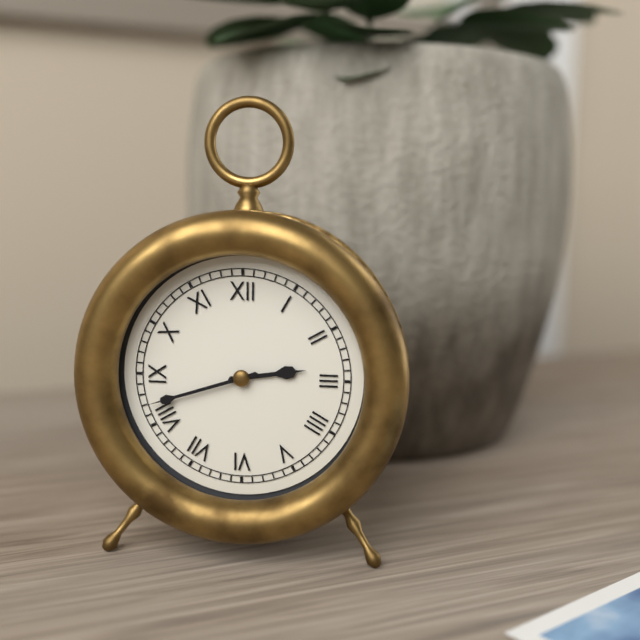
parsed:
2,42
